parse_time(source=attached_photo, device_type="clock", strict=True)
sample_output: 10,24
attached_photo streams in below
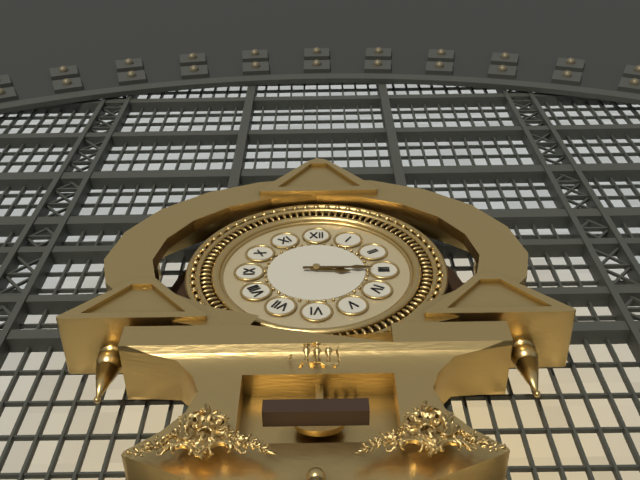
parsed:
3,15
